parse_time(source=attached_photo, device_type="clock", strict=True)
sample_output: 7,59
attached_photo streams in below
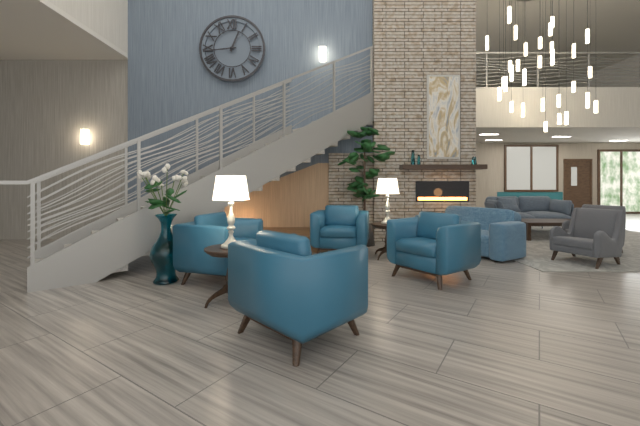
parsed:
12,44
